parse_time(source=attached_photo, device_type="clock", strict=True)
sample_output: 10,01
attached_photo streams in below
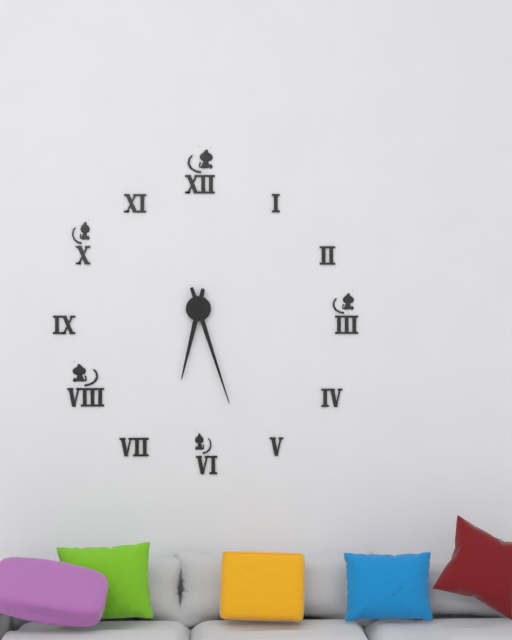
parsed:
6,27
